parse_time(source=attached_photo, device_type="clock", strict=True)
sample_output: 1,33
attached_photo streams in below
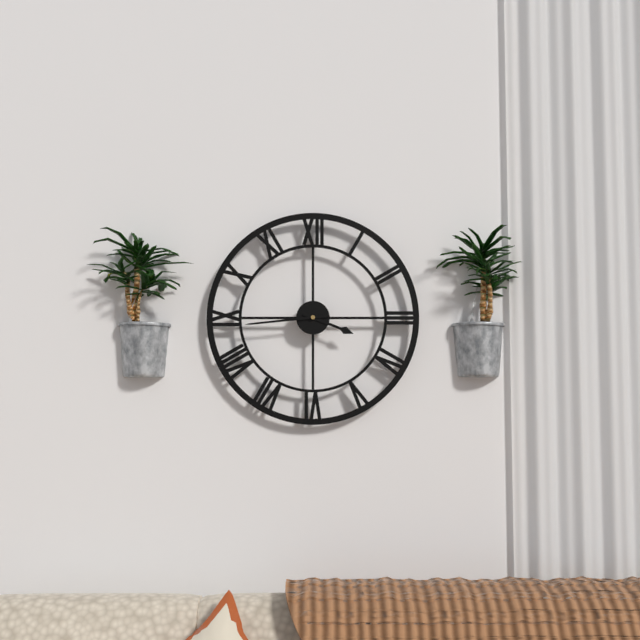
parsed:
3,44
